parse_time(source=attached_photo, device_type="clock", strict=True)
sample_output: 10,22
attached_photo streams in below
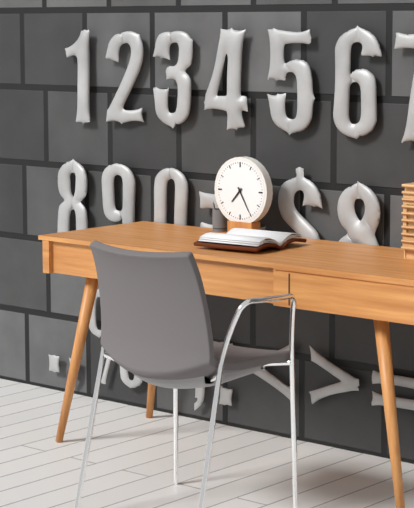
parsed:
7,25
